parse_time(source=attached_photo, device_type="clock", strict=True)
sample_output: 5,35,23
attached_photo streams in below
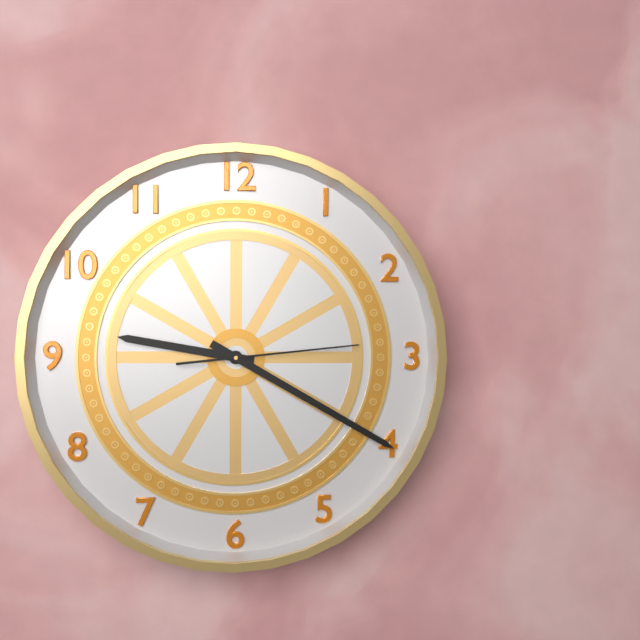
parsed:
9,20,14
